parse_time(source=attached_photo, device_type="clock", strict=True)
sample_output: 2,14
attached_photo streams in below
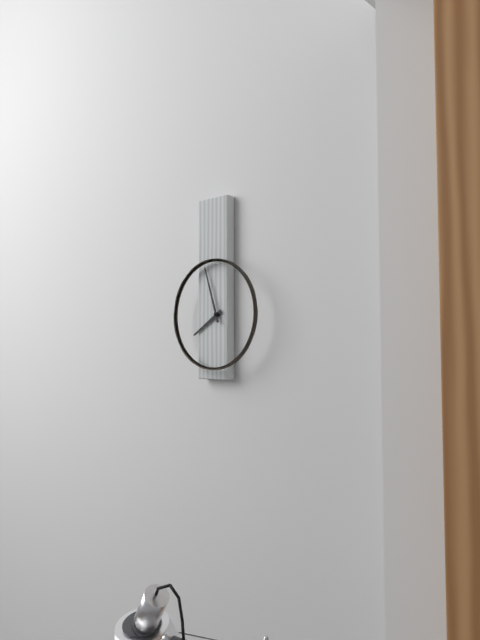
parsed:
7,57
